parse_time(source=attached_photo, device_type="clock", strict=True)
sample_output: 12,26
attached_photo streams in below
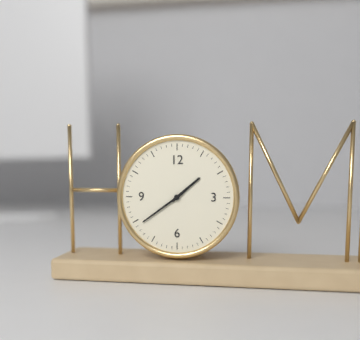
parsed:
1,39
